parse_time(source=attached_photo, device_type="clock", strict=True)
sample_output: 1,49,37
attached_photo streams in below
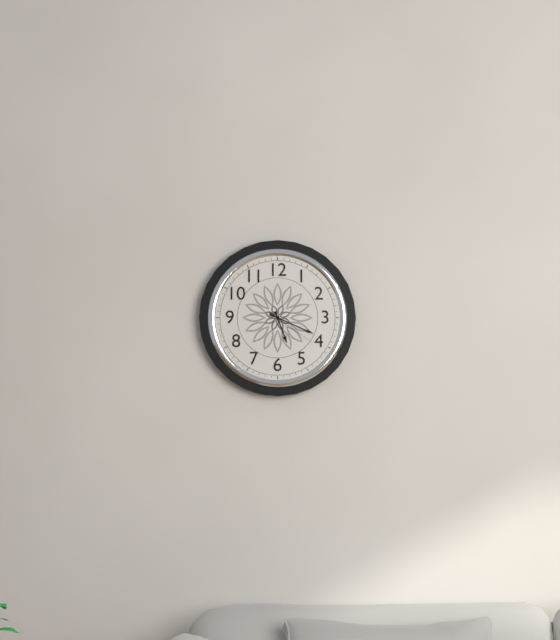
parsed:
5,19,21
